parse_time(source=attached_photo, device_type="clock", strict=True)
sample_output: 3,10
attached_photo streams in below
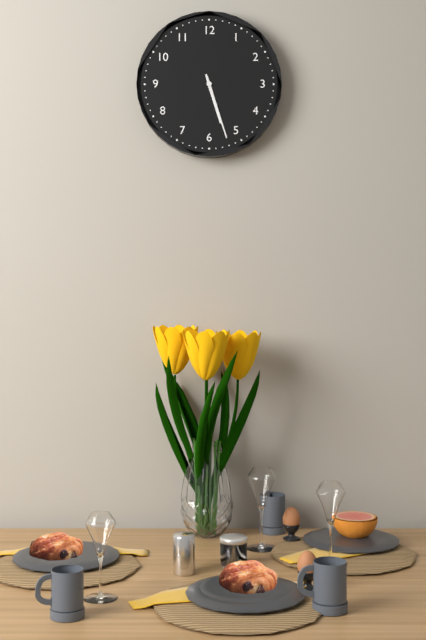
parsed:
5,27
